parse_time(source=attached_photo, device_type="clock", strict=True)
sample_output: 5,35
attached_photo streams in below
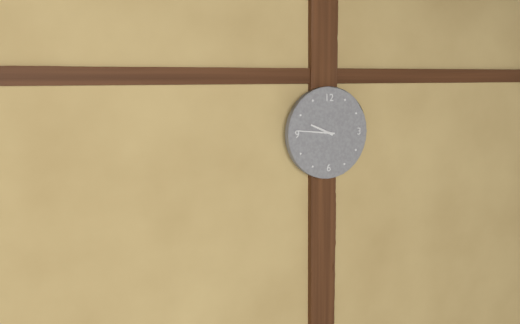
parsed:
9,46
